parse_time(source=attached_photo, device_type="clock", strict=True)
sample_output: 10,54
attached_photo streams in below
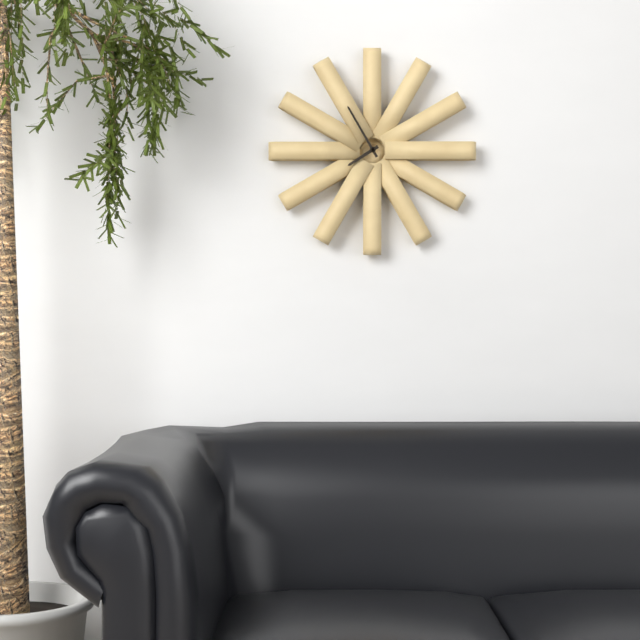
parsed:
7,55
